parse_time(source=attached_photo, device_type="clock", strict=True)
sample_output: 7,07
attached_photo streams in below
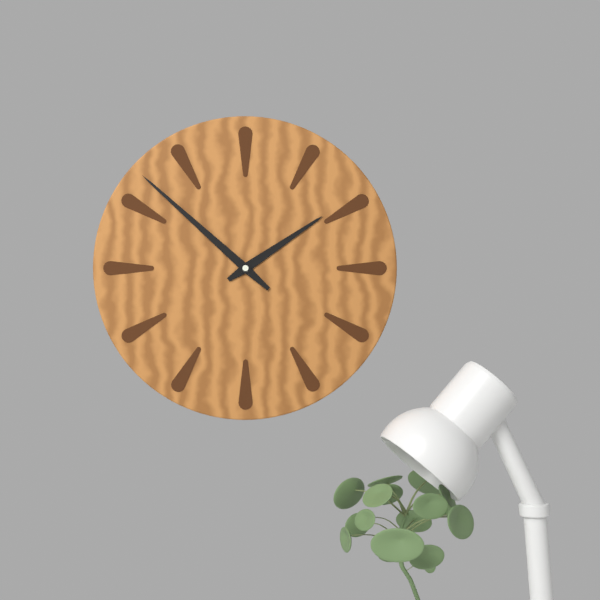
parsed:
1,52
